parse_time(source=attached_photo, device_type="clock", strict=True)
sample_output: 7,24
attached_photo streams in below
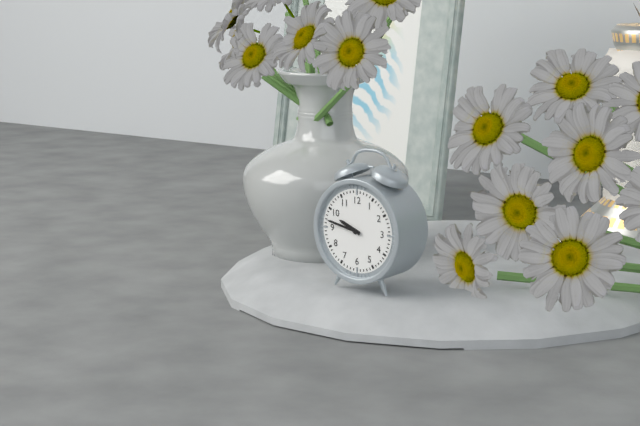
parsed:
9,47
